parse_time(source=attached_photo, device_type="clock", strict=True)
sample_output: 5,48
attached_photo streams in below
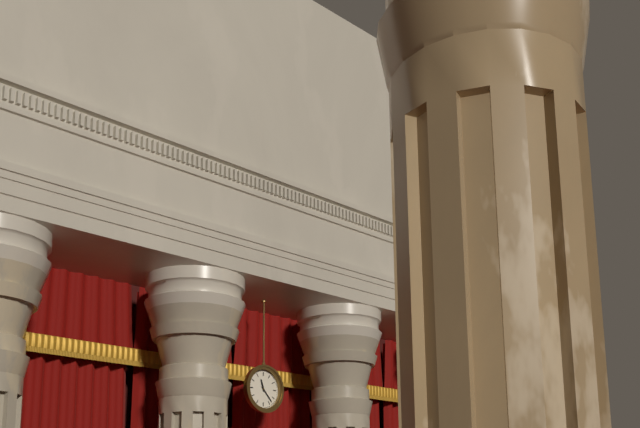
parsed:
11,23
